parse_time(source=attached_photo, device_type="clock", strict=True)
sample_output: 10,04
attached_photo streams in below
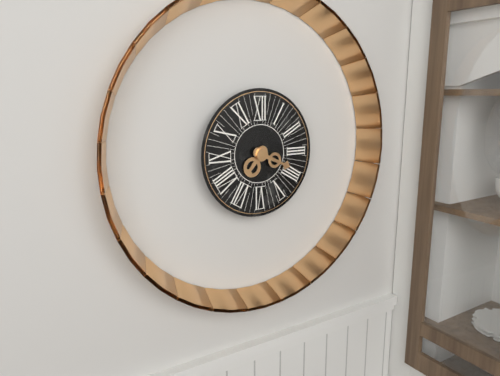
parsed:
7,19
